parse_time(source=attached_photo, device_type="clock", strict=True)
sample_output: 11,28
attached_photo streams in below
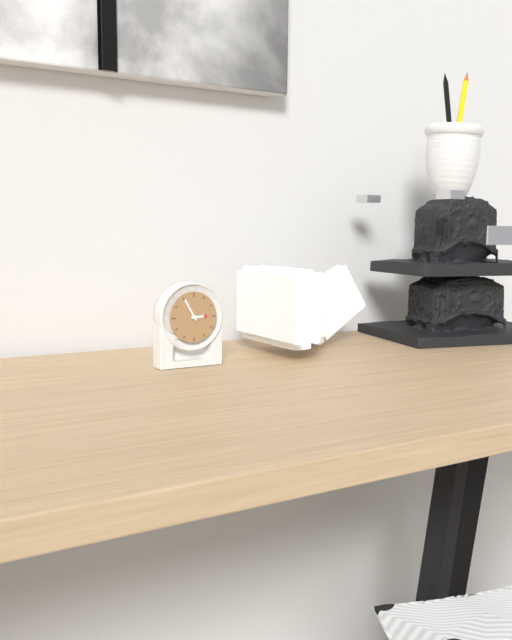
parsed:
2,55
